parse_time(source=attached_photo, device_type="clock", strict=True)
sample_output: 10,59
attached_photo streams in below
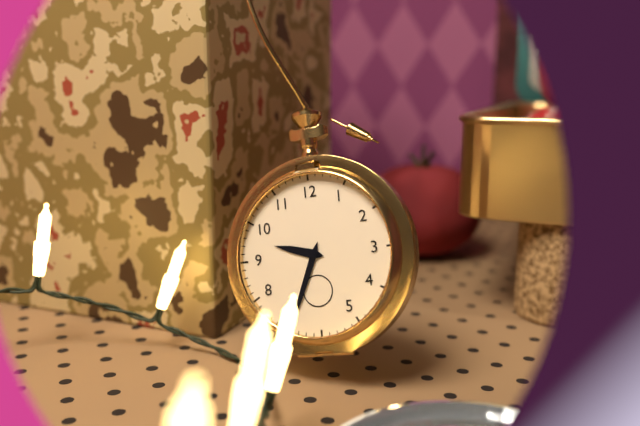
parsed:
9,34
